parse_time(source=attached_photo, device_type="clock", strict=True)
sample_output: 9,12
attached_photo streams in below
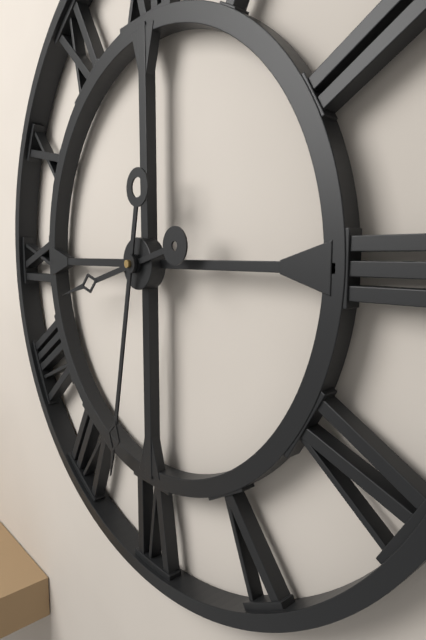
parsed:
8,32
